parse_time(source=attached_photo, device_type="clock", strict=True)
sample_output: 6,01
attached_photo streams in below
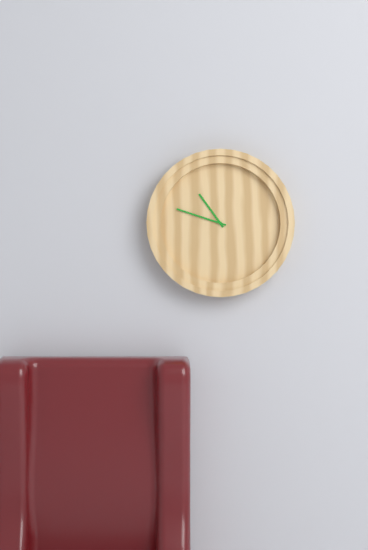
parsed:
10,48
